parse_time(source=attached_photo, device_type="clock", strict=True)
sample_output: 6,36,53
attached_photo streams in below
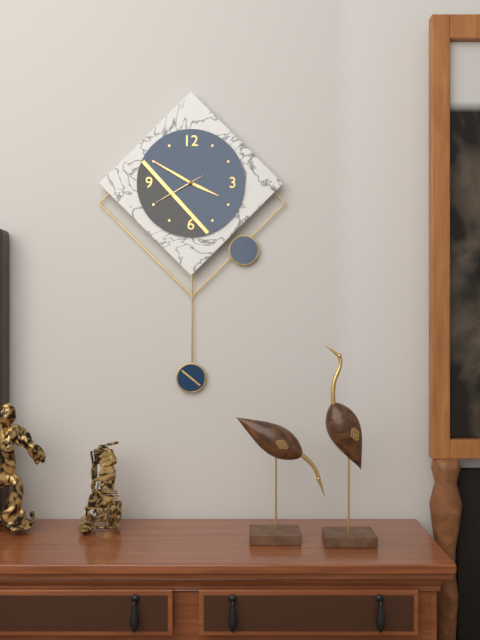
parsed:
3,50,40
